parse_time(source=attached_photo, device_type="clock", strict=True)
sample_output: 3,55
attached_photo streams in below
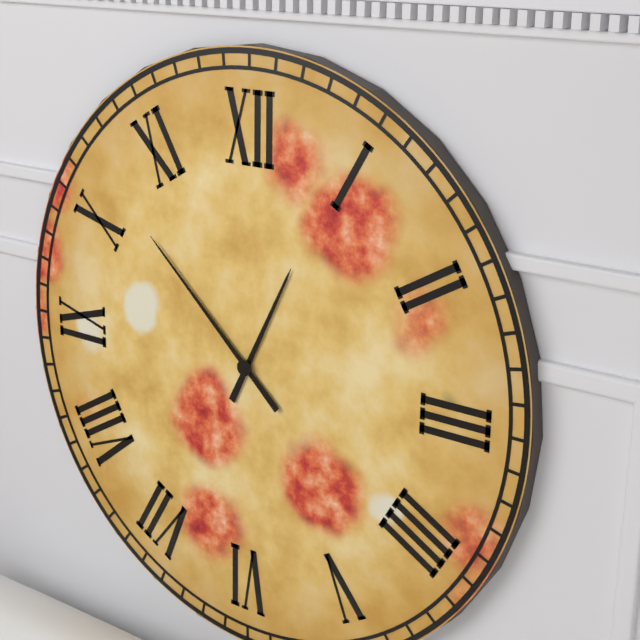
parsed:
12,52
